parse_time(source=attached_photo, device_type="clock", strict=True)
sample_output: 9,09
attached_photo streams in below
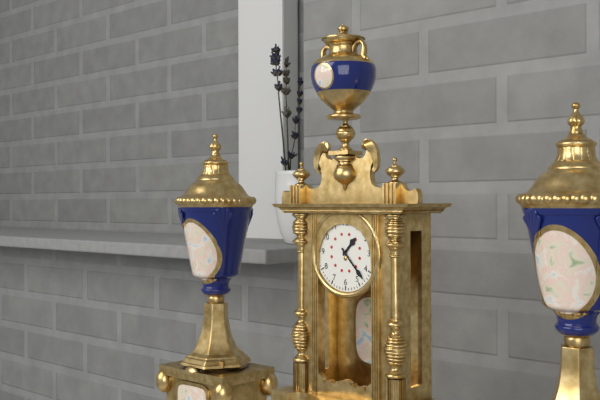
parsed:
1,23
